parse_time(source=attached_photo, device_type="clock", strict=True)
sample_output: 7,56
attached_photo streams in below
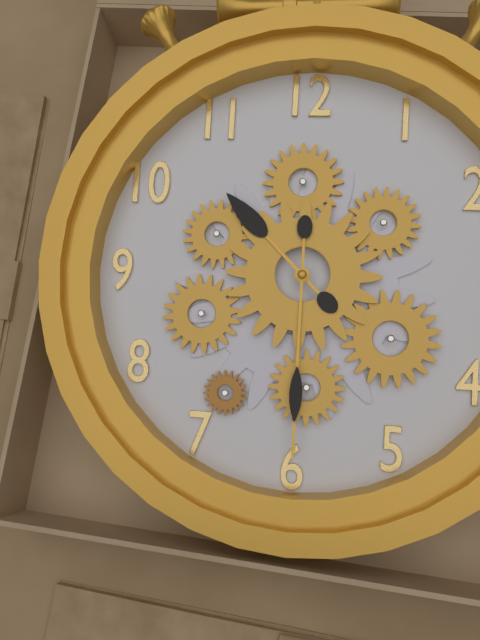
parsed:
10,30
